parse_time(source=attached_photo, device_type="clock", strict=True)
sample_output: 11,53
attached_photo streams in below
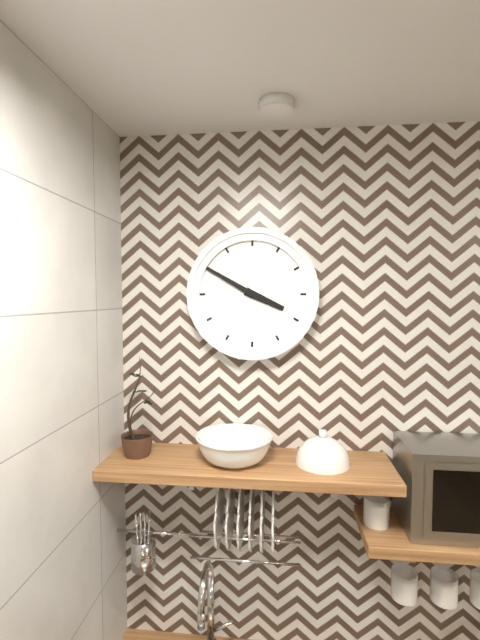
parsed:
3,50
